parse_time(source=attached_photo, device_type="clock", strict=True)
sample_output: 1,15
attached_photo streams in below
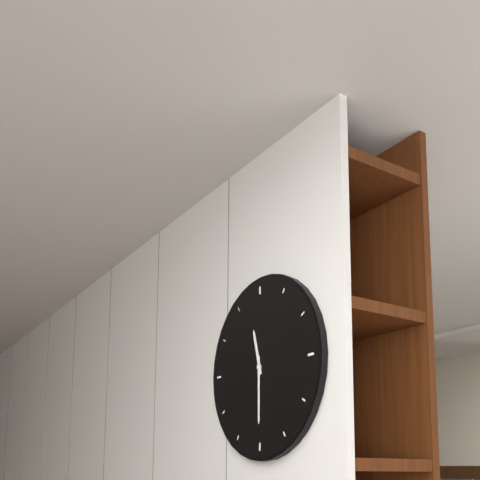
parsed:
11,30
